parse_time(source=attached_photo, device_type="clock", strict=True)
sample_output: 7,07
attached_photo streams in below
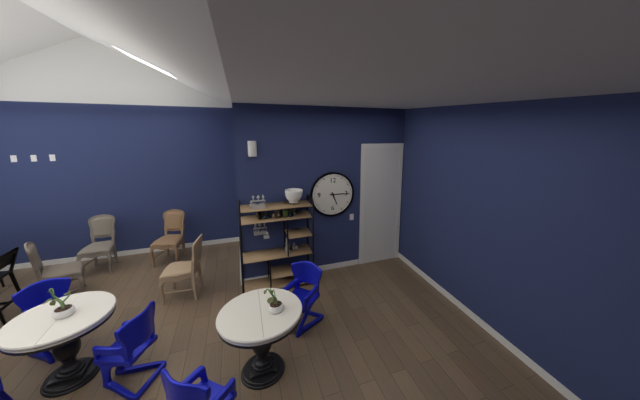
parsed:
5,15
